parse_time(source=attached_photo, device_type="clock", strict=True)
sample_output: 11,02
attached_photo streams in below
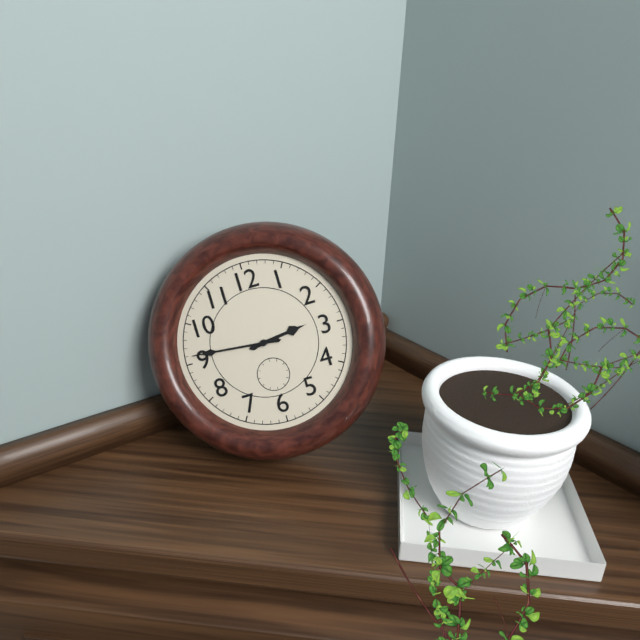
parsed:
2,46
